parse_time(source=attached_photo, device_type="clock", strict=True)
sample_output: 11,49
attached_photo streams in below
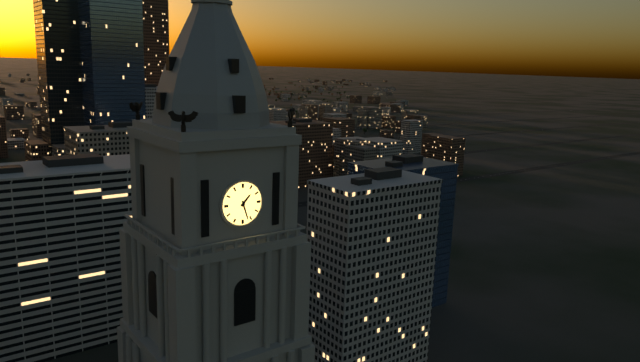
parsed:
1,27
